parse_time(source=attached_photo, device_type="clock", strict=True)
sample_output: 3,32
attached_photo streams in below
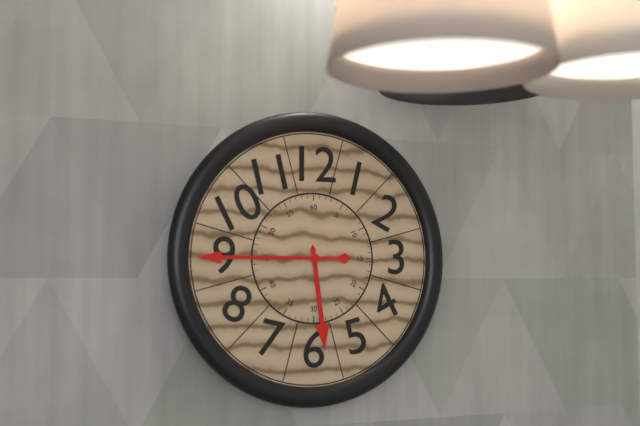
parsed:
5,45
